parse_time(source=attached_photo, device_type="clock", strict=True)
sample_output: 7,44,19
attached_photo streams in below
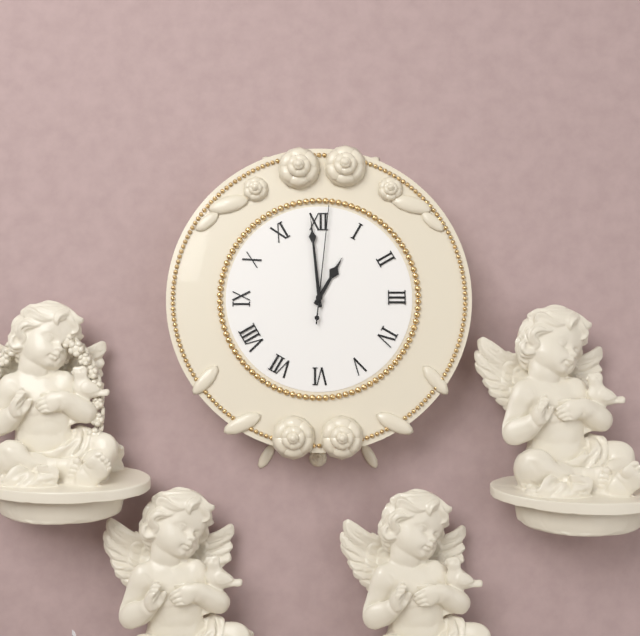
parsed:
12,59,01
